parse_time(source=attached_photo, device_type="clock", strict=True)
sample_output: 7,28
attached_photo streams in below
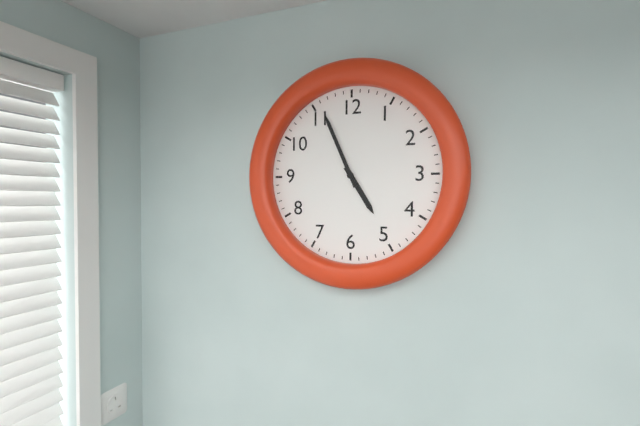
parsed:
4,56
